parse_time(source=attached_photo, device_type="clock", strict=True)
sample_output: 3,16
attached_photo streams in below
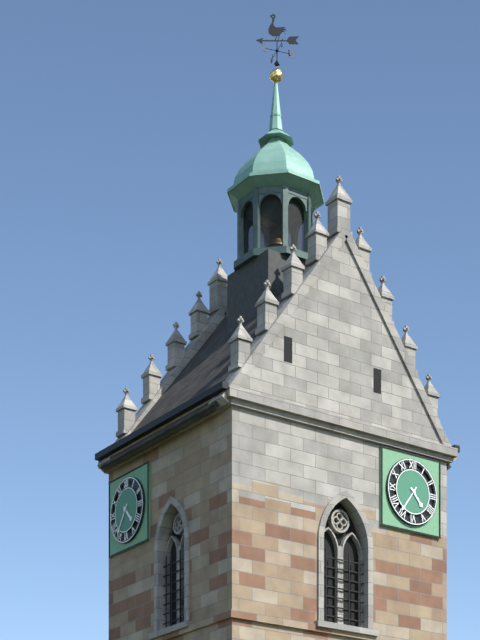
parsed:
4,36
